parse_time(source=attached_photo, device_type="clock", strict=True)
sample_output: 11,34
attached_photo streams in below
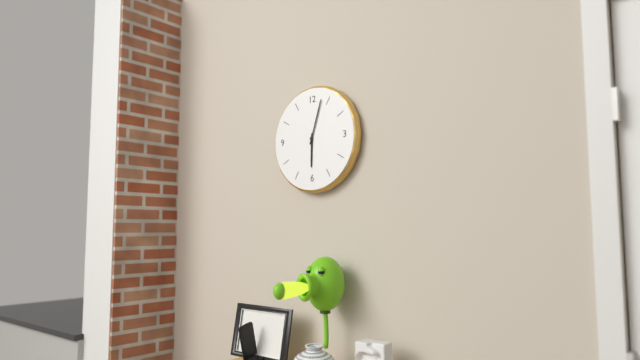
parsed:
6,03
